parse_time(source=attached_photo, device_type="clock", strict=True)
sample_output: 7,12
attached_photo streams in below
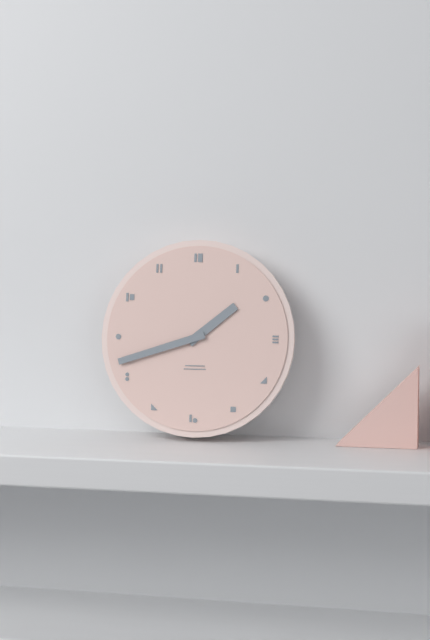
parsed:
1,42
